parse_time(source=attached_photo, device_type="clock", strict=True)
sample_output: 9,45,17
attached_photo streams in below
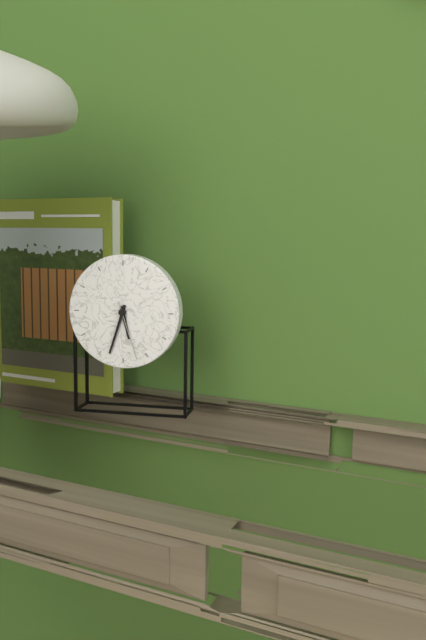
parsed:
5,33,27
